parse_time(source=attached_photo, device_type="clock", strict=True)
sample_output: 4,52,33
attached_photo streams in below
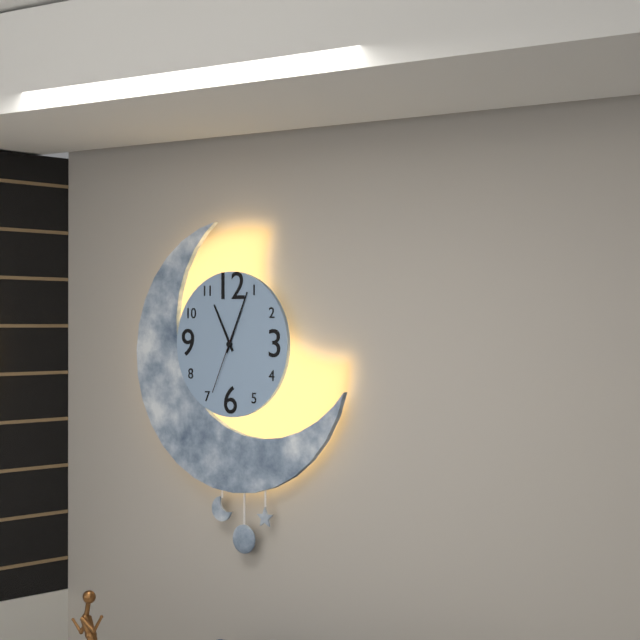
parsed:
11,04,34
